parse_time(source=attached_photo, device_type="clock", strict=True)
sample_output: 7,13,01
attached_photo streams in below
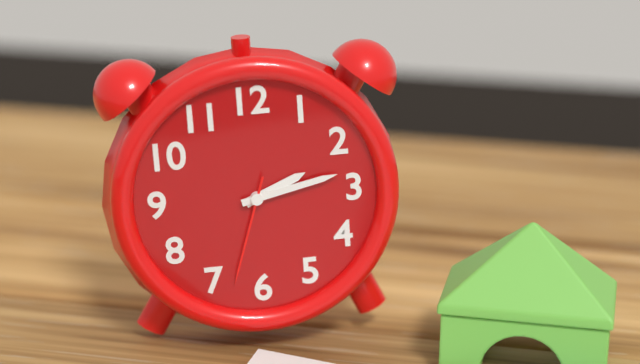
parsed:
2,13,33
